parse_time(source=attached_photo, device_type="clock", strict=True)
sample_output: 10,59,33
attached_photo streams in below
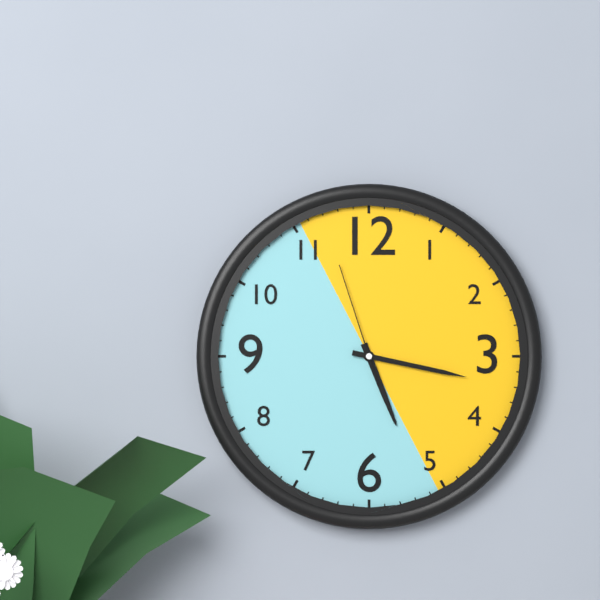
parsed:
5,17,57
